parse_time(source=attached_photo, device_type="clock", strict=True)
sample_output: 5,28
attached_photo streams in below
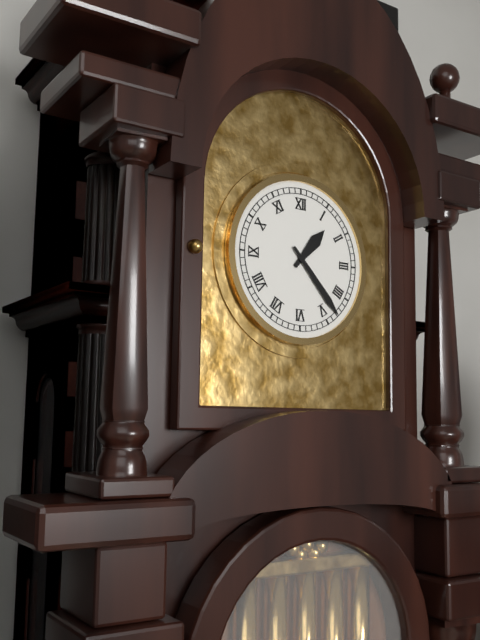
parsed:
1,23
